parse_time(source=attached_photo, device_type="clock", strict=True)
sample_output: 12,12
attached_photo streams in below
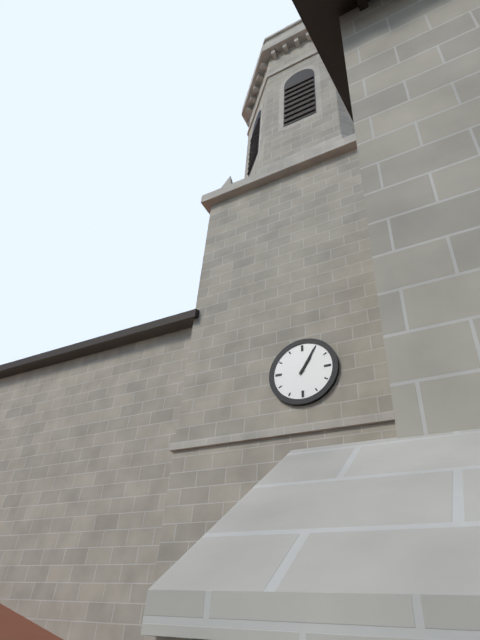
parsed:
1,05
